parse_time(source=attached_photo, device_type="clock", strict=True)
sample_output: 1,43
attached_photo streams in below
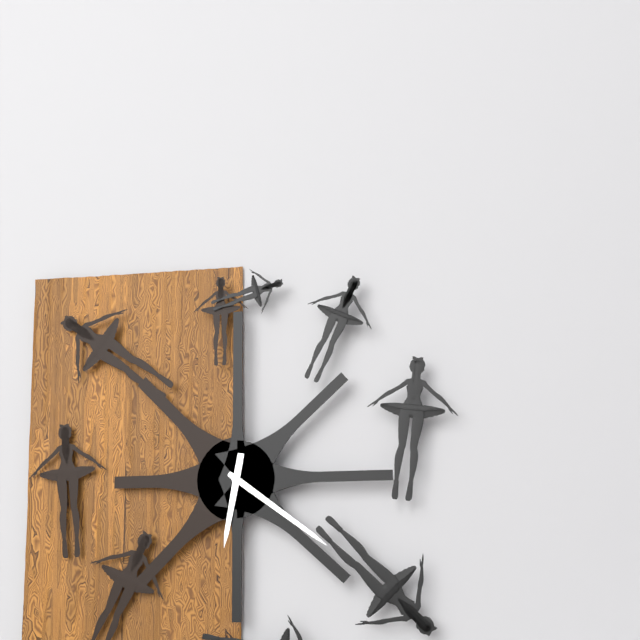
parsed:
6,21
